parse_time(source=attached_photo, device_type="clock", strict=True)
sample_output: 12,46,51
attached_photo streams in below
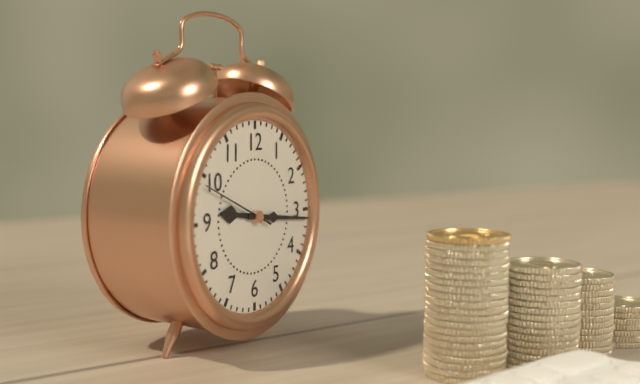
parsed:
9,16,49
